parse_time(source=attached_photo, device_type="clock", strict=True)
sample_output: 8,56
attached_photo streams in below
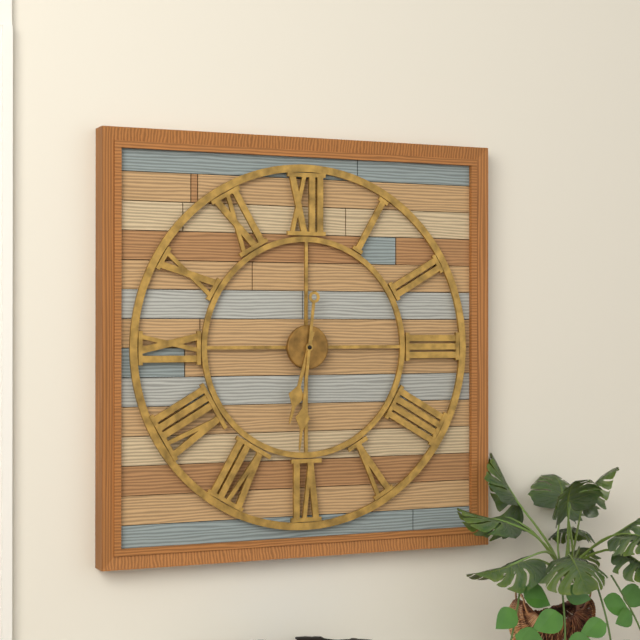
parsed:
6,31
